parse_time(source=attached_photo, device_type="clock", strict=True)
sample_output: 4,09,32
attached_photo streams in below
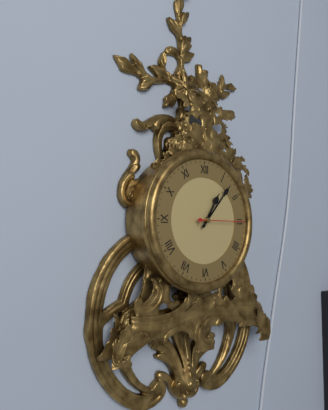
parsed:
1,07,15
